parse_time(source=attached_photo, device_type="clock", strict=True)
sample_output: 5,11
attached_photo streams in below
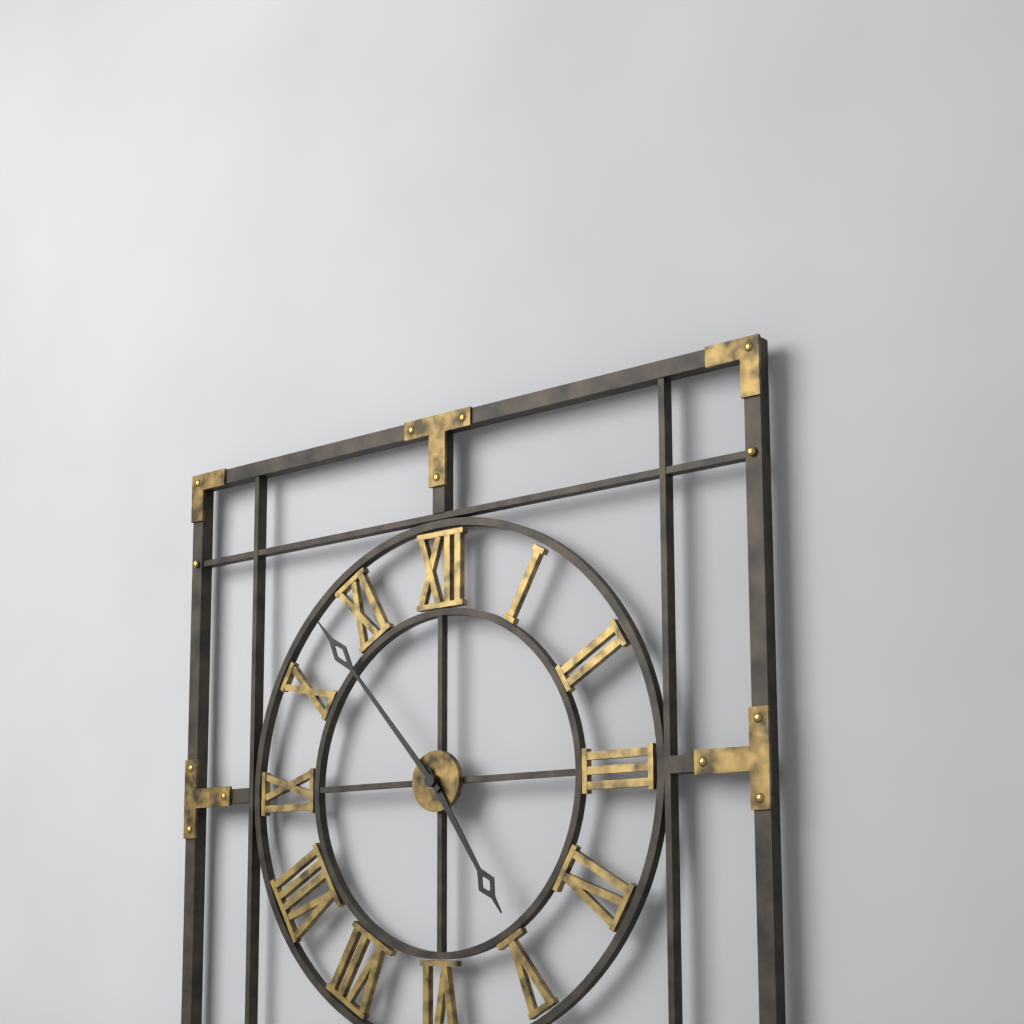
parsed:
4,53
